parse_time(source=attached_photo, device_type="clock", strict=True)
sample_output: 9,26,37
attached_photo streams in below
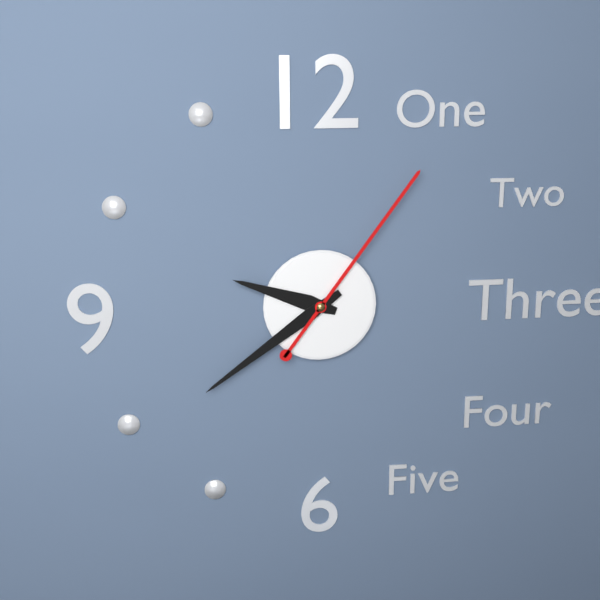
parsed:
9,39,06
